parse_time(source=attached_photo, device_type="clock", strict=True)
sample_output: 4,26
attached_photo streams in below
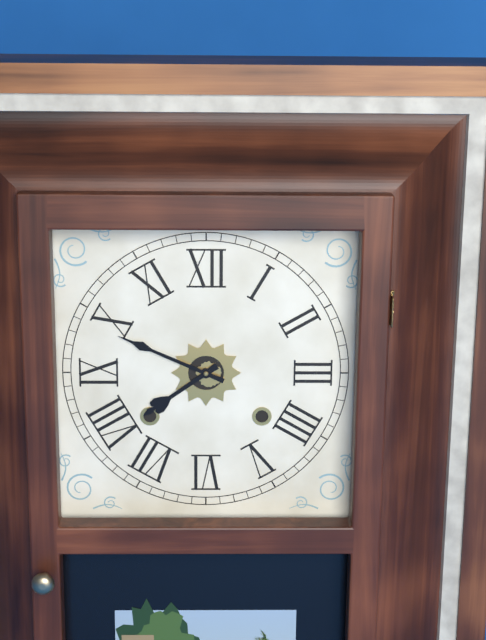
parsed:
7,49
